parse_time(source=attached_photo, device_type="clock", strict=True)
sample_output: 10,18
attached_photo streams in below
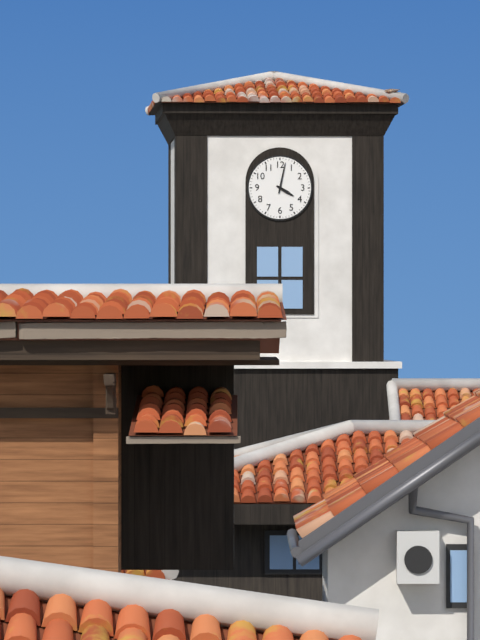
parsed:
4,02
